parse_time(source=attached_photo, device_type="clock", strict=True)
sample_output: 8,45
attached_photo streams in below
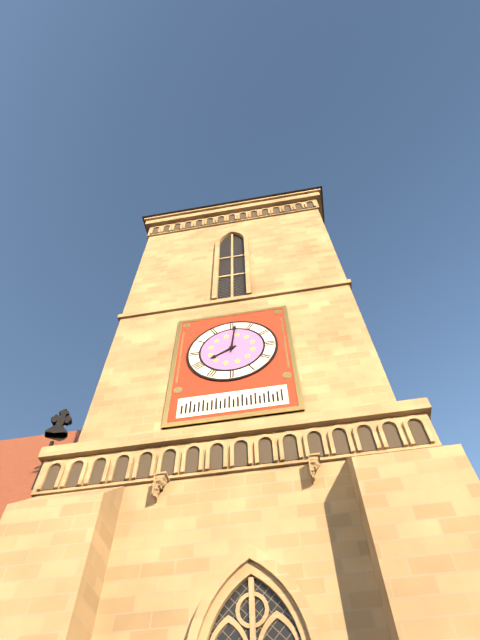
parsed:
8,01
